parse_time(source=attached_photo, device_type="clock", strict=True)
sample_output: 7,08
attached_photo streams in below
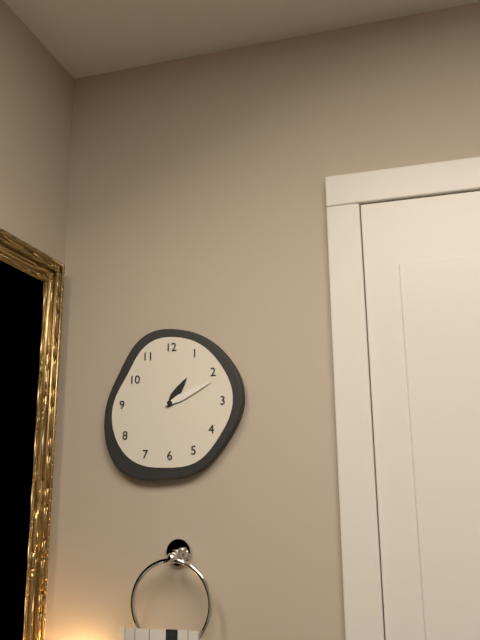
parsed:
1,11
